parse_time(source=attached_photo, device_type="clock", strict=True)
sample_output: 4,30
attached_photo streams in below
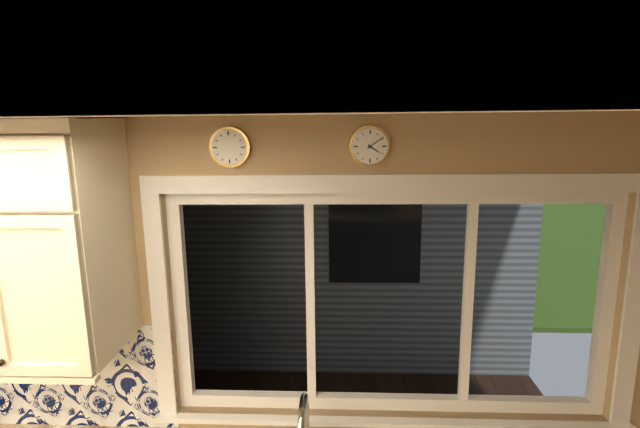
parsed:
4,09
